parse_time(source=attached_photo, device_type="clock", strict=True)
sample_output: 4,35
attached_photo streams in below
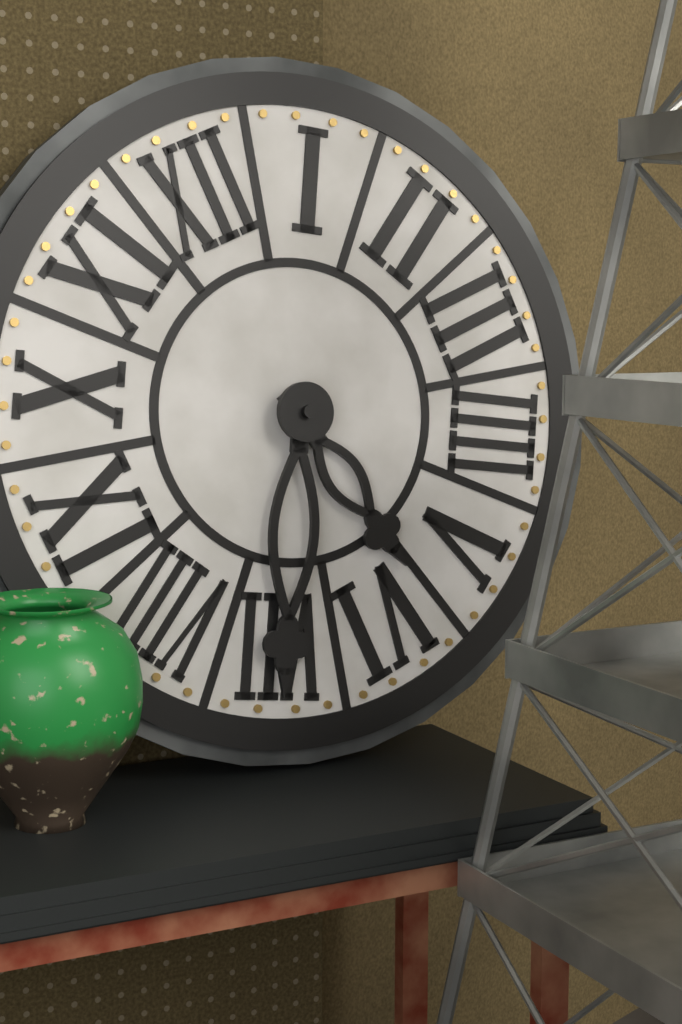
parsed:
5,35
